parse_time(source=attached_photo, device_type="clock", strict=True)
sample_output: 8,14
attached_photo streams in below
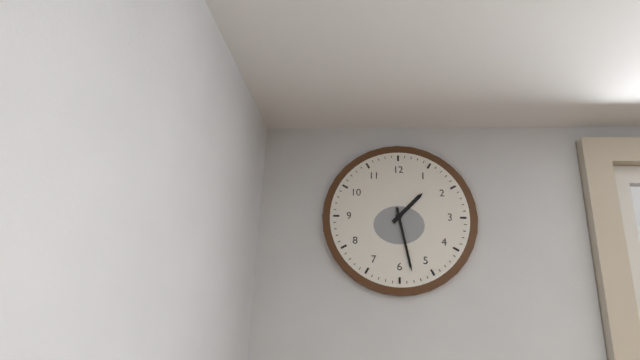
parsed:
1,28
